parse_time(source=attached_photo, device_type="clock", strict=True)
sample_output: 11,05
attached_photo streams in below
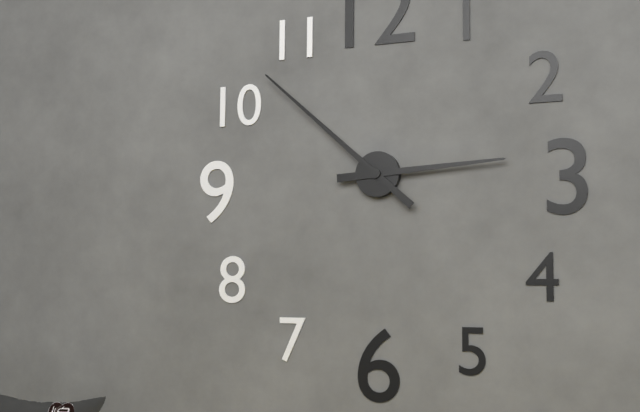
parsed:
2,52
